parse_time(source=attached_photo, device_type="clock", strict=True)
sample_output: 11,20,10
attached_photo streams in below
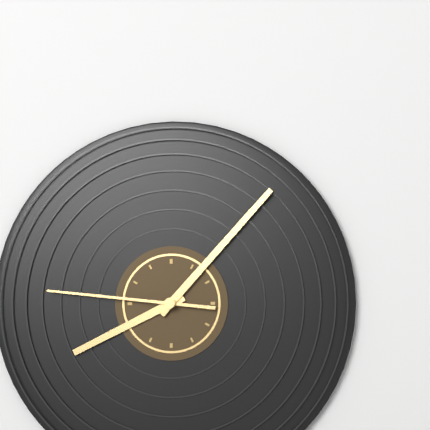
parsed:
8,07,46
